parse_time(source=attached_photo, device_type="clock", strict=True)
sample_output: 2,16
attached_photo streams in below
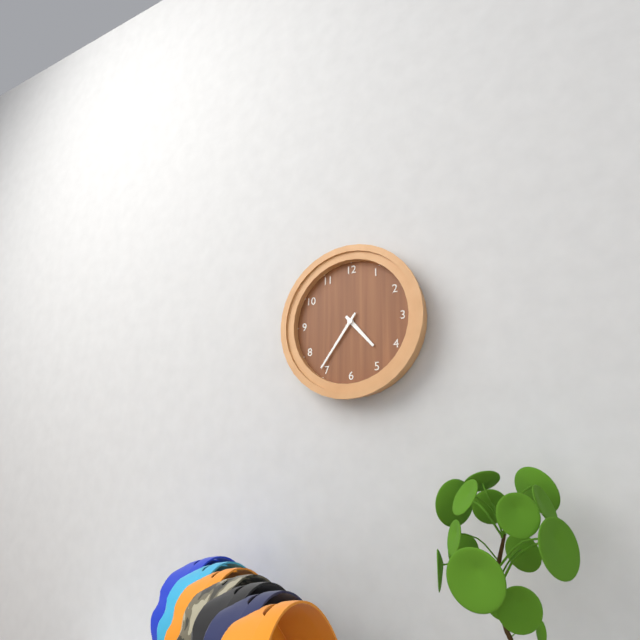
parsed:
4,36
